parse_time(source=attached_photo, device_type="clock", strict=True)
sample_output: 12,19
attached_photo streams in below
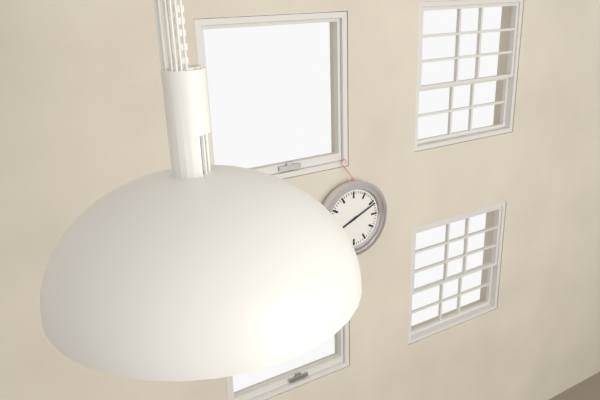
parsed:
8,11
